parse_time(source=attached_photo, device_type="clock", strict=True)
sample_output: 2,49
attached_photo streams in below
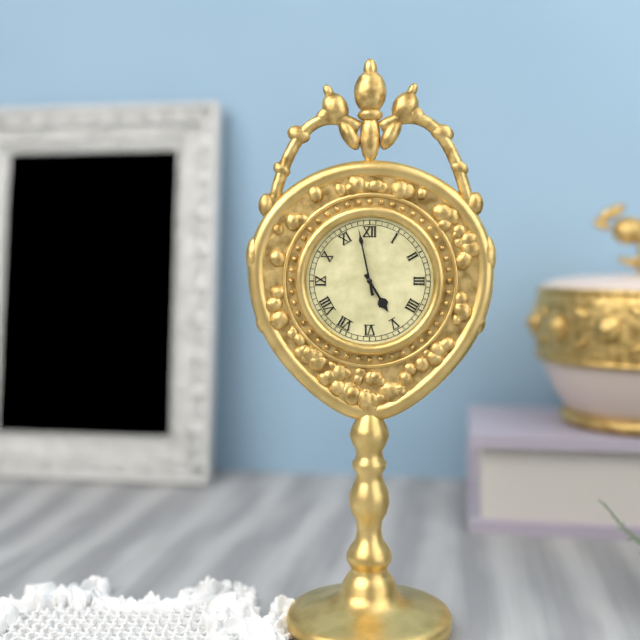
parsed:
4,58
